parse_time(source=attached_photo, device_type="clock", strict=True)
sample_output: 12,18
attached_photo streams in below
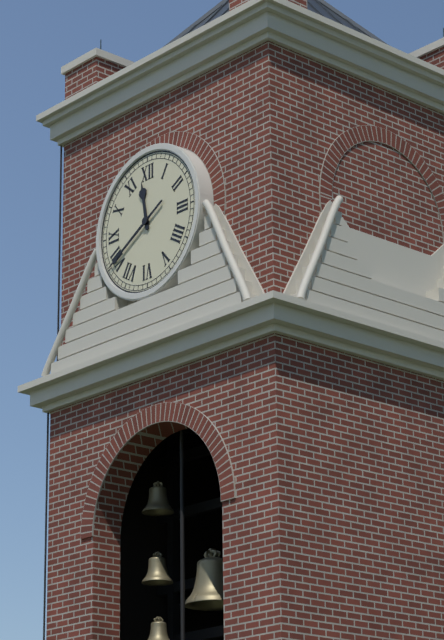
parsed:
11,40
